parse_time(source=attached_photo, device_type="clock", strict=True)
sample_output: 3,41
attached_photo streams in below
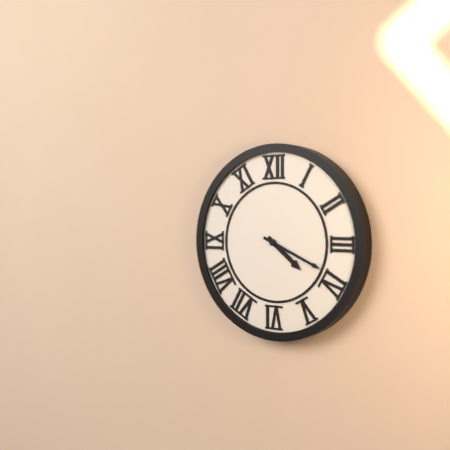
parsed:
4,19
